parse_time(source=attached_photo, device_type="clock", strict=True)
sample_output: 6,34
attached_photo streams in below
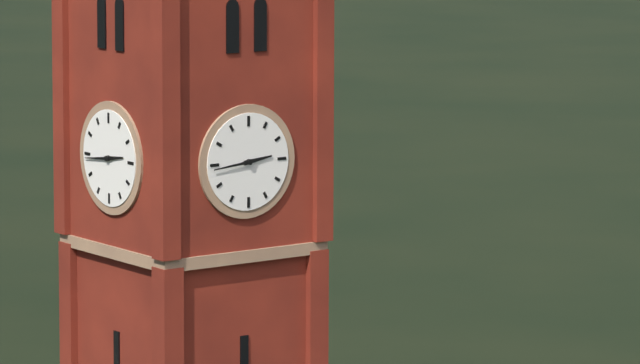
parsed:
2,44
